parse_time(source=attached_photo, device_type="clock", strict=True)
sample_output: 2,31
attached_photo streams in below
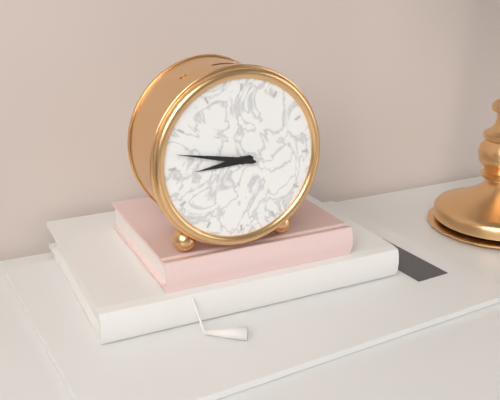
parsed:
8,47
